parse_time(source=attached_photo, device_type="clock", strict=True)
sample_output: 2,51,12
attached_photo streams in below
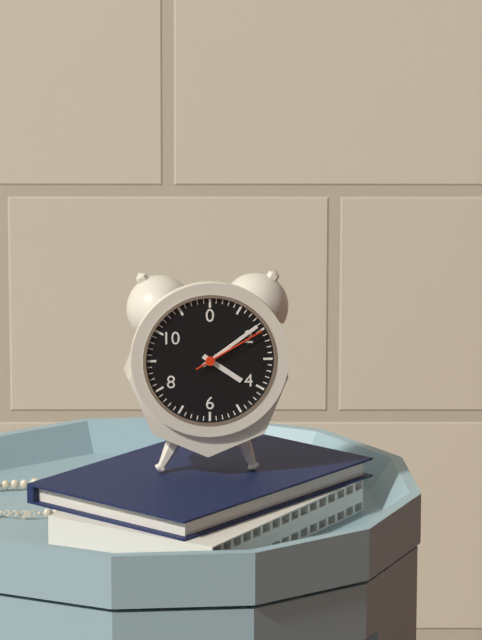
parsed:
4,09,10
